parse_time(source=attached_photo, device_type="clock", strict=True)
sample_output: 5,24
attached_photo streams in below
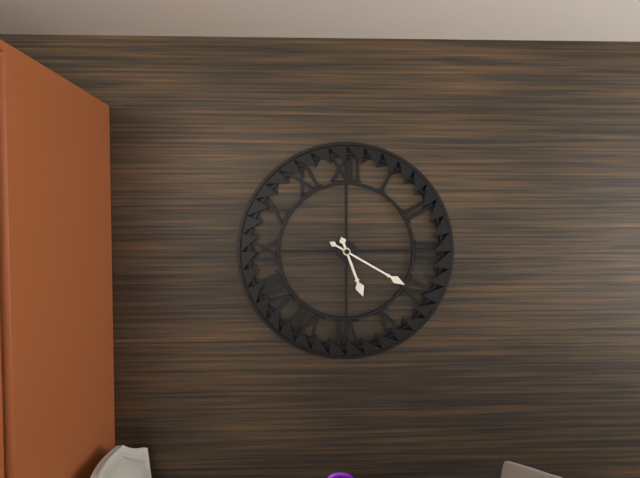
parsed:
5,20
